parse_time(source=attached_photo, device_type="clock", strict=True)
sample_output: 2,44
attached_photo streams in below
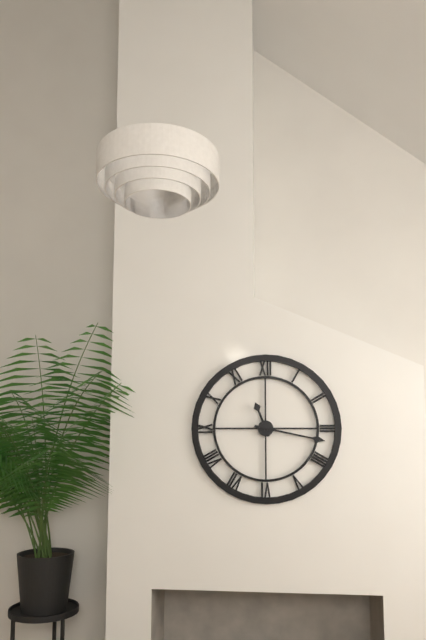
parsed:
11,17
